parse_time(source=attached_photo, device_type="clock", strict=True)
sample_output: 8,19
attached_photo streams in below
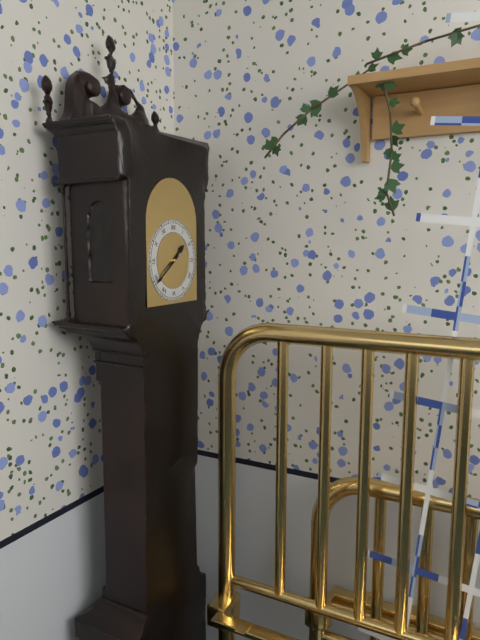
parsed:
1,39
